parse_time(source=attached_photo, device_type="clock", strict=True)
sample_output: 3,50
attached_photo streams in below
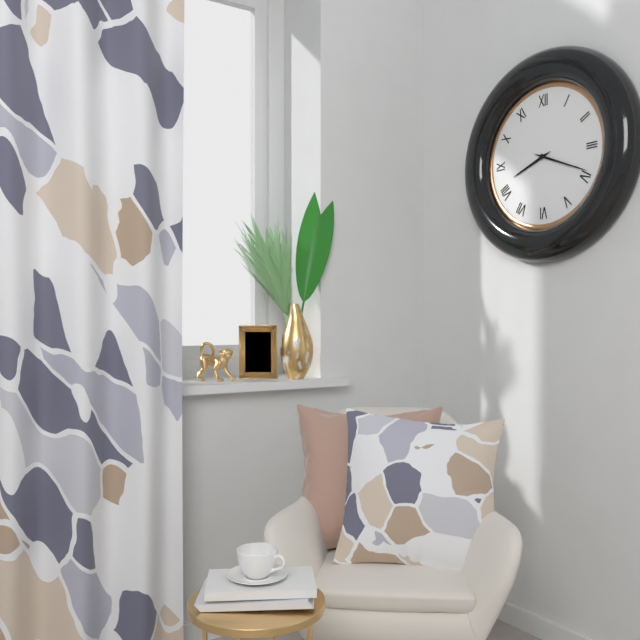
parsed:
8,19
